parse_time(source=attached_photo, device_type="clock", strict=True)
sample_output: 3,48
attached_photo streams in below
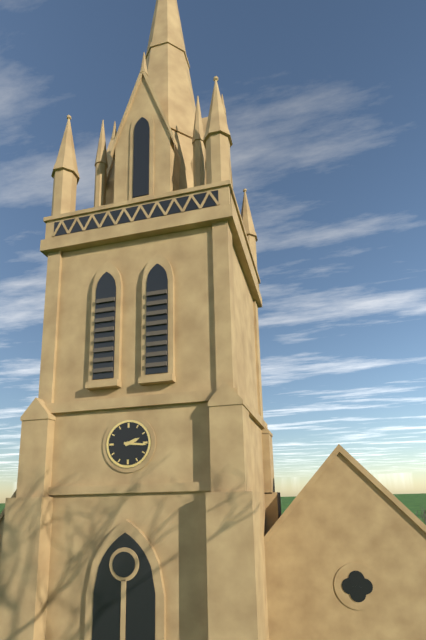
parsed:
2,16
